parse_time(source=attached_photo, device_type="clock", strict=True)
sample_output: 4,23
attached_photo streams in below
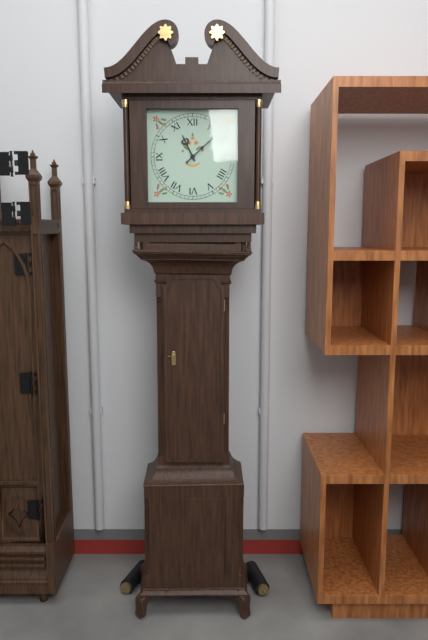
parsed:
11,08
